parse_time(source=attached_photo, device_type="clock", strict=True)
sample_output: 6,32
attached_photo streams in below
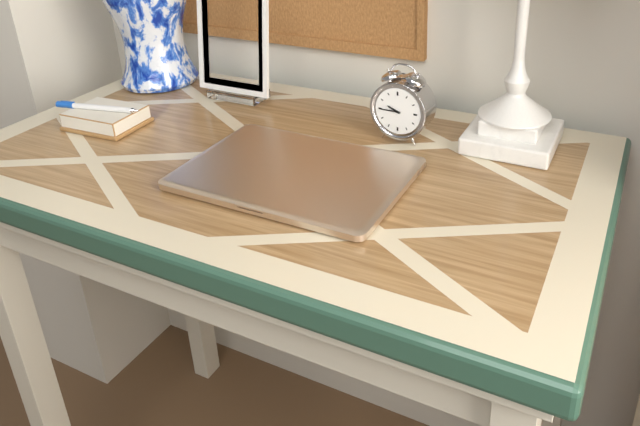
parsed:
9,45
